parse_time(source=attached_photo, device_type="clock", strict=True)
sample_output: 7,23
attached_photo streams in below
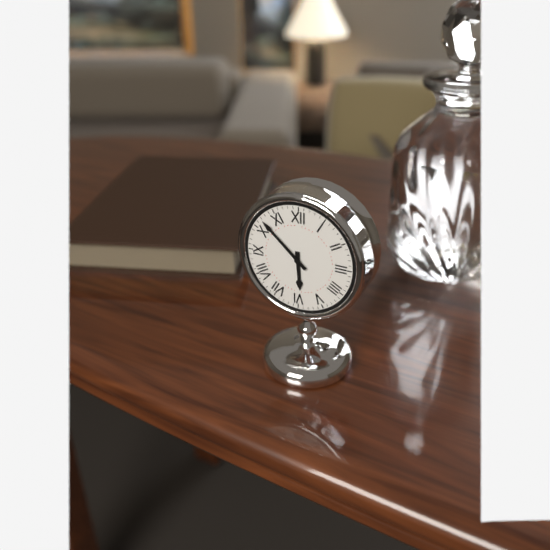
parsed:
5,52
